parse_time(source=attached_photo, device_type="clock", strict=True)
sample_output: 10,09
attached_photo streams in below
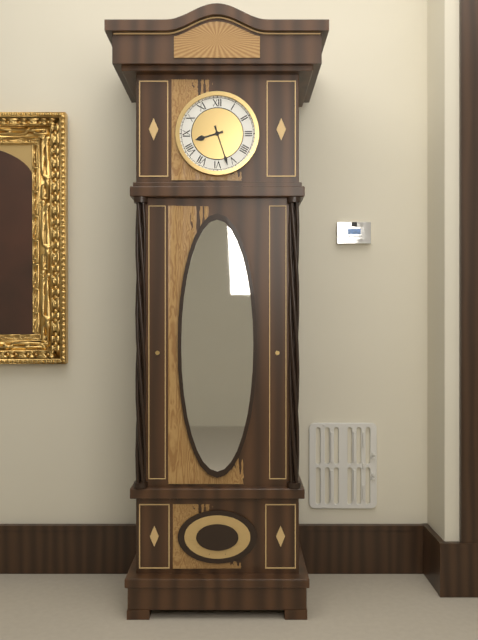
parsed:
8,27
